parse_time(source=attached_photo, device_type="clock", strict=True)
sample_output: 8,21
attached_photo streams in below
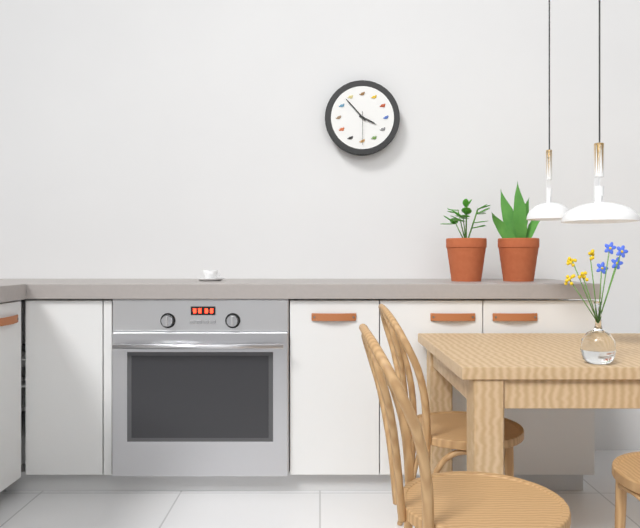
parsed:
3,53
